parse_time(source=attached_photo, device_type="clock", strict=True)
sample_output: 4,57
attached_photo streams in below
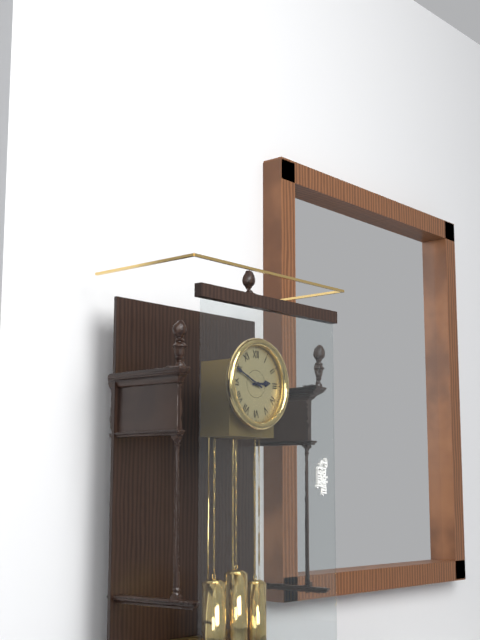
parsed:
2,49
